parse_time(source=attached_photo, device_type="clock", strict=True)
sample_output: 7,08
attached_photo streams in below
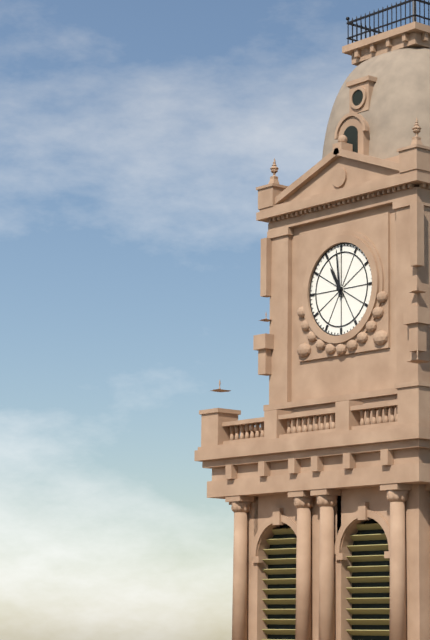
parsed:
10,59
